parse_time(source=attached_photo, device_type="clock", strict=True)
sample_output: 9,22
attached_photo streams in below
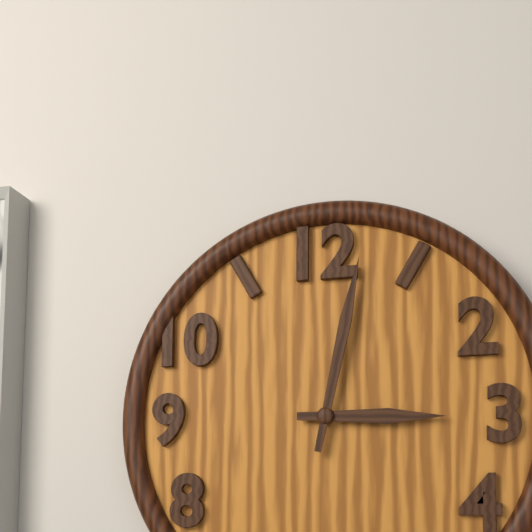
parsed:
3,02
